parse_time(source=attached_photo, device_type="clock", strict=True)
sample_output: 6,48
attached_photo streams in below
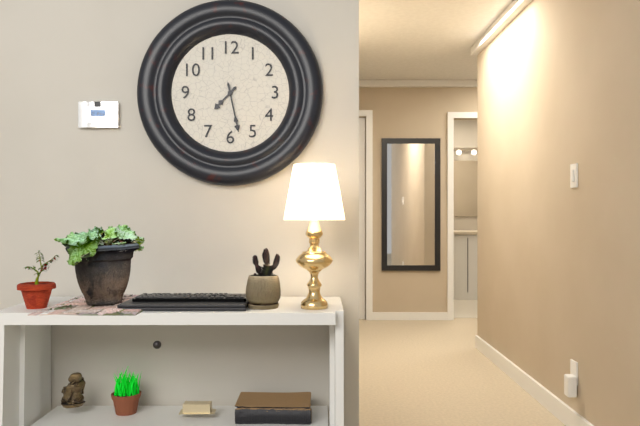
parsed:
7,28
